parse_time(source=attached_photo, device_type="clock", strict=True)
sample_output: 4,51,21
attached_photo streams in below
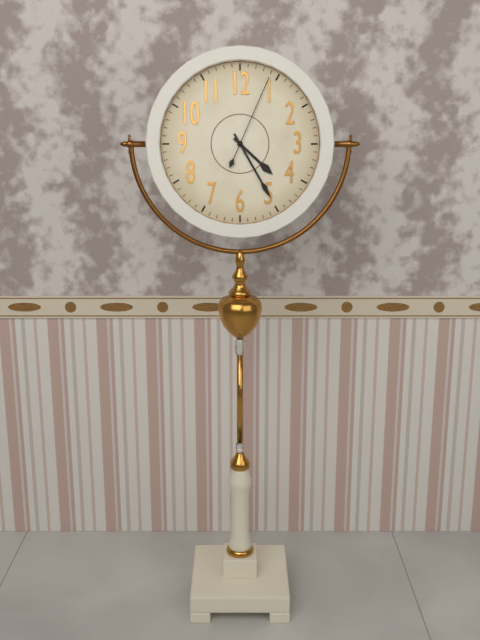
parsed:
4,25,04
